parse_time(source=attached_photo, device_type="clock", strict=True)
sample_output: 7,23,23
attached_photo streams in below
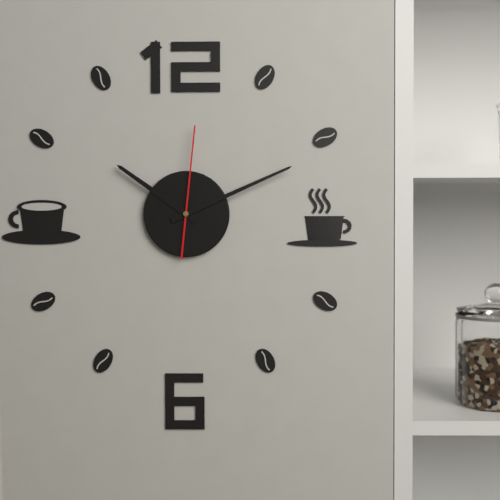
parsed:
10,11,01
